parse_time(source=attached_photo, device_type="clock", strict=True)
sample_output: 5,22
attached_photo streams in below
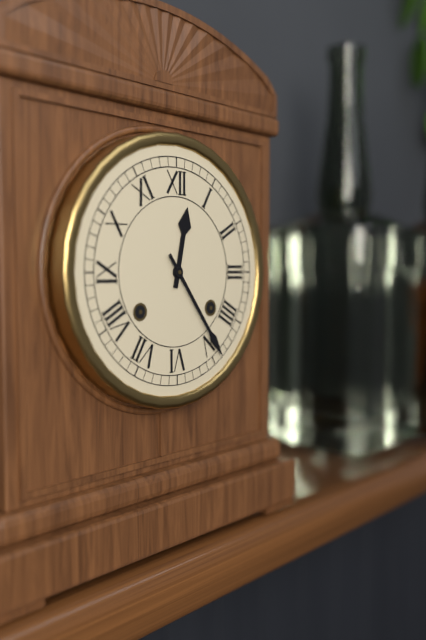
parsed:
12,24
